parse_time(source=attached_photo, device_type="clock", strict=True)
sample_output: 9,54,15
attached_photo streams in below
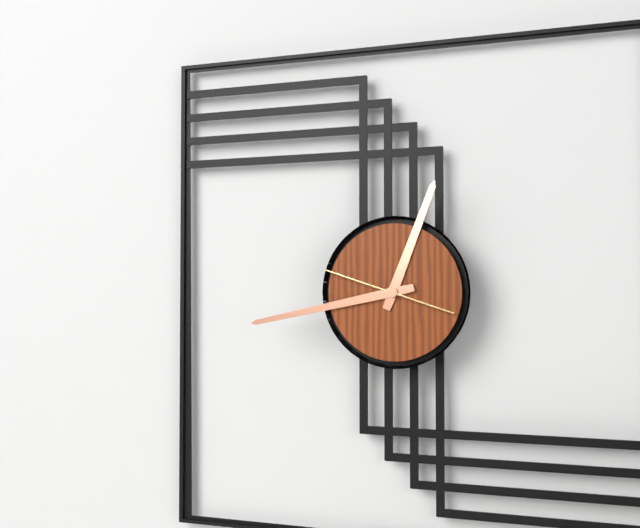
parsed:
12,43,48
